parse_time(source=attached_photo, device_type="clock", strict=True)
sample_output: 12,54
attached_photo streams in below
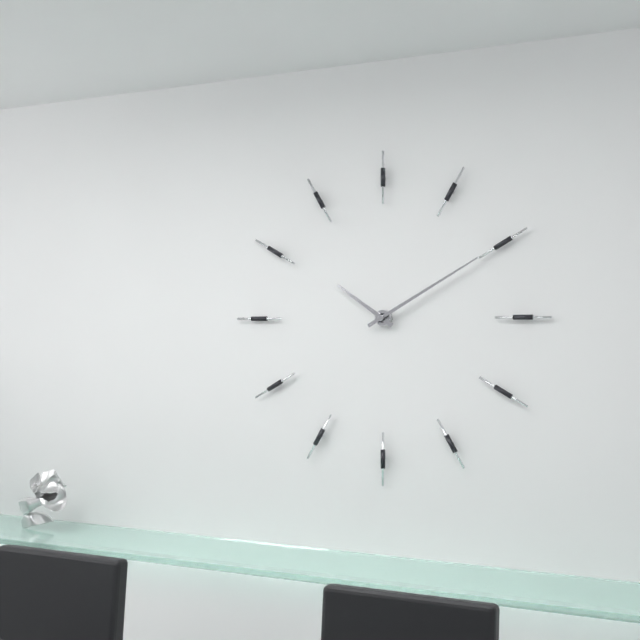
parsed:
10,10
